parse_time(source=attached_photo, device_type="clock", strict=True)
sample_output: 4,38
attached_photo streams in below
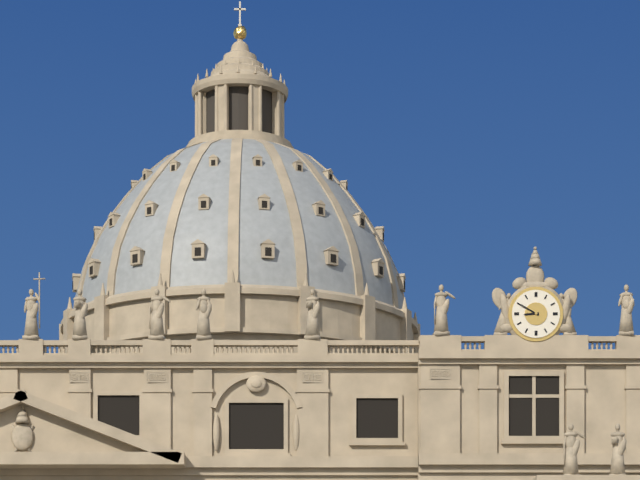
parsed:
8,50
